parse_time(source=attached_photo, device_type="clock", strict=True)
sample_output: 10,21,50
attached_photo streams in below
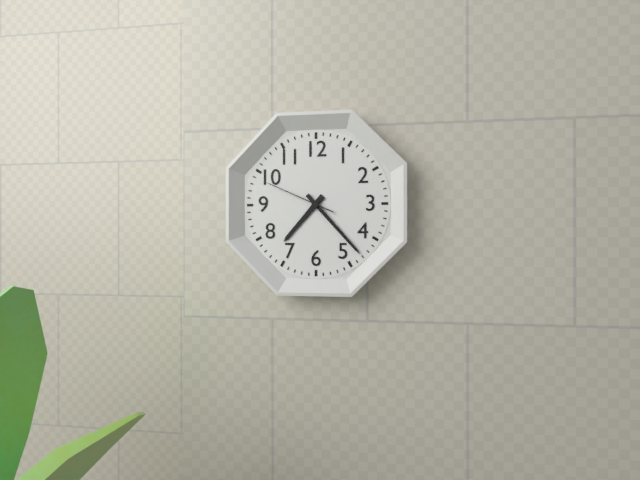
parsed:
7,23,49
